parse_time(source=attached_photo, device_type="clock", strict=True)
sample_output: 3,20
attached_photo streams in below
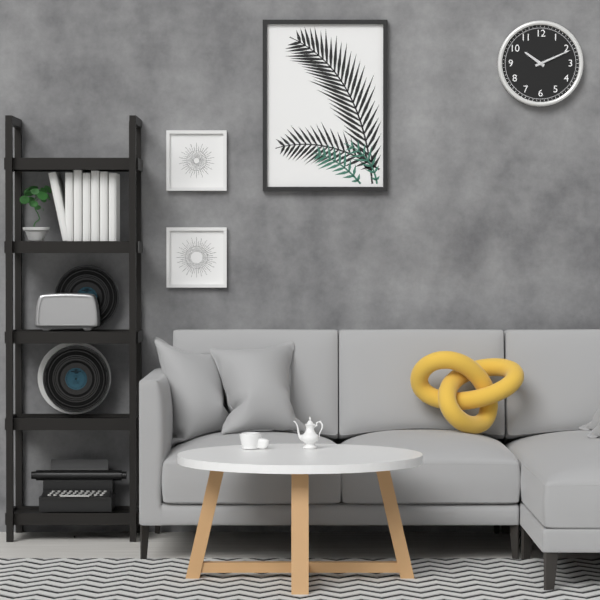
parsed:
10,11
